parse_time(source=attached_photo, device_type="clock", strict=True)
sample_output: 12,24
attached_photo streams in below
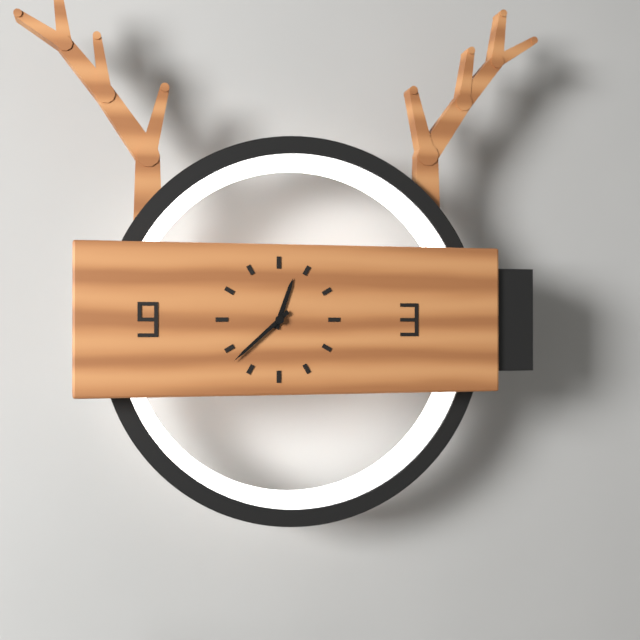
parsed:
12,38
